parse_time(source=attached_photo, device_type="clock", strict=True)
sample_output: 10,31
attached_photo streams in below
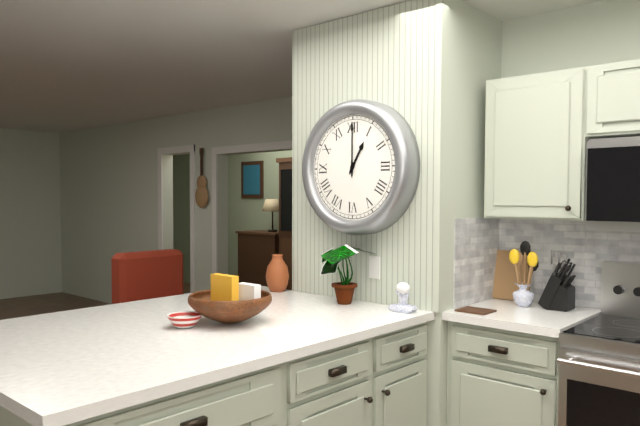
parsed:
1,00
